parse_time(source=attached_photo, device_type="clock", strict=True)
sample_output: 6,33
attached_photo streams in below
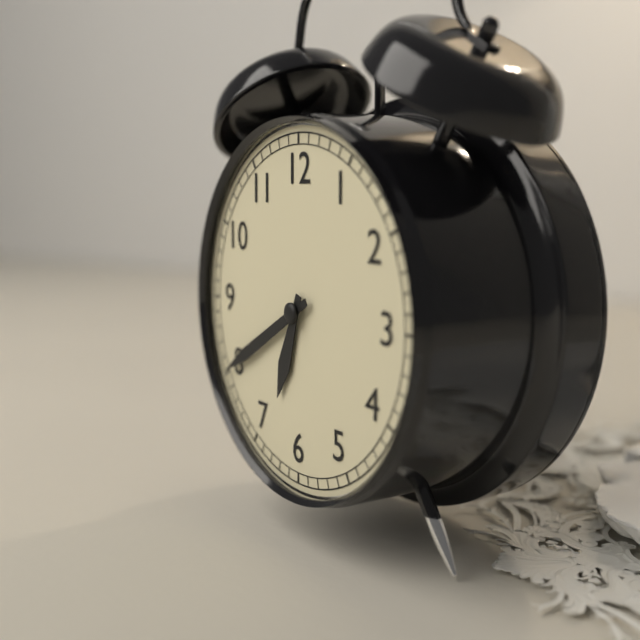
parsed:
6,40
